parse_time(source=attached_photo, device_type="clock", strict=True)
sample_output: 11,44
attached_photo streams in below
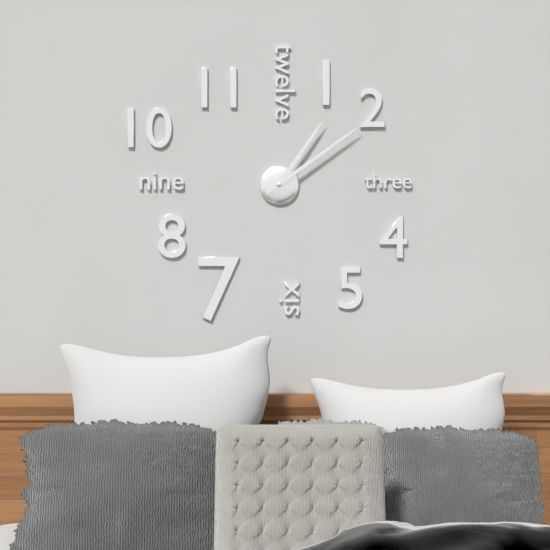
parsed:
1,09
